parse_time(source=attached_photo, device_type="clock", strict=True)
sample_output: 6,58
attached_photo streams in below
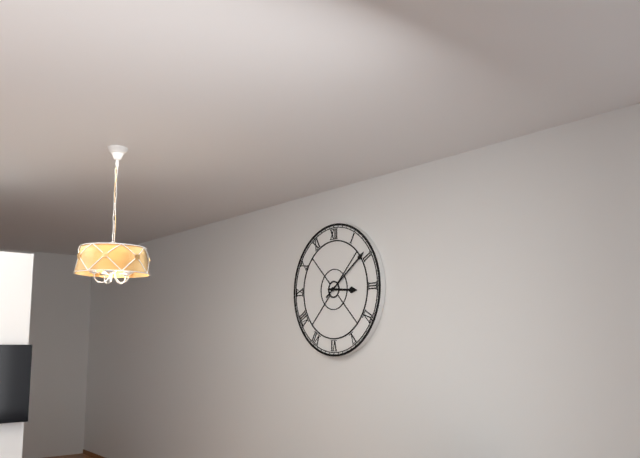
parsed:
3,09
